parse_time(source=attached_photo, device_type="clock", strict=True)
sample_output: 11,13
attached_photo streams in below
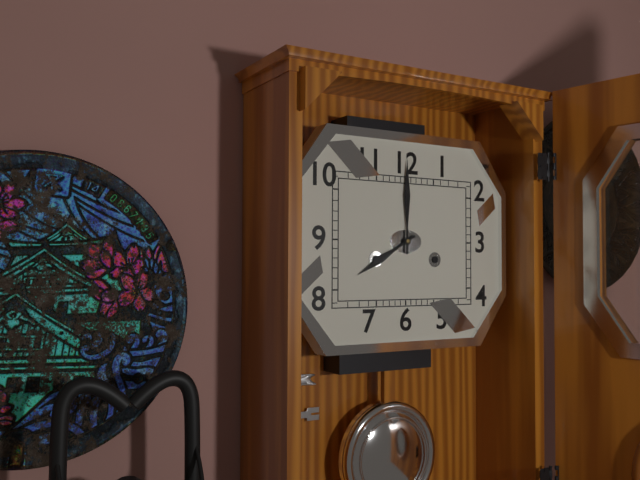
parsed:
8,00
